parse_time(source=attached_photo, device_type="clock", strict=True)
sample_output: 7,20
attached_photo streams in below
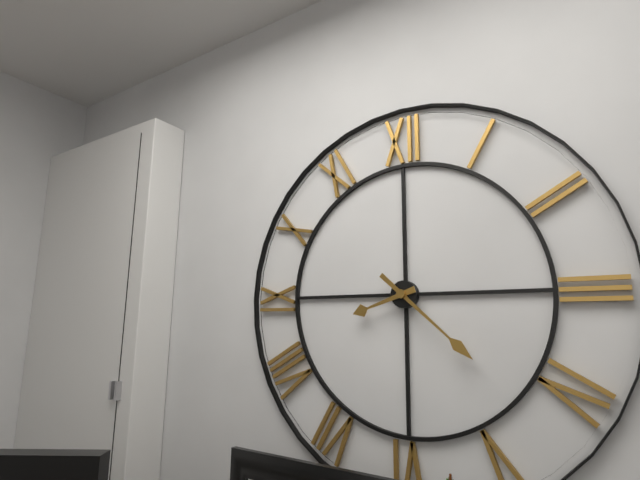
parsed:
8,22
